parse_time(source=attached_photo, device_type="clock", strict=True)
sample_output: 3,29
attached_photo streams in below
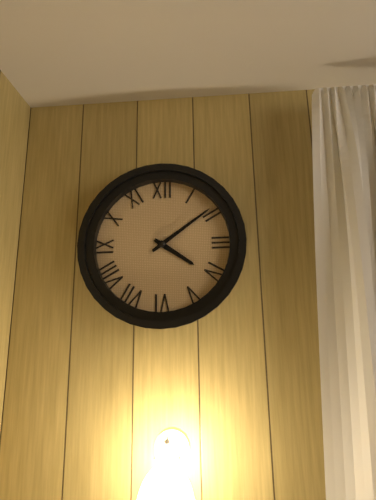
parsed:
4,09
